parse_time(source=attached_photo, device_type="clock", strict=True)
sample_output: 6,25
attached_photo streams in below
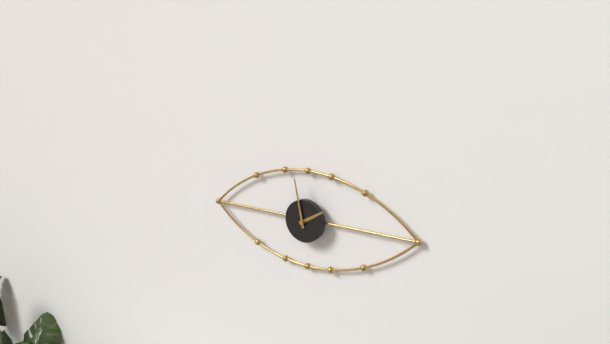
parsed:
1,58
